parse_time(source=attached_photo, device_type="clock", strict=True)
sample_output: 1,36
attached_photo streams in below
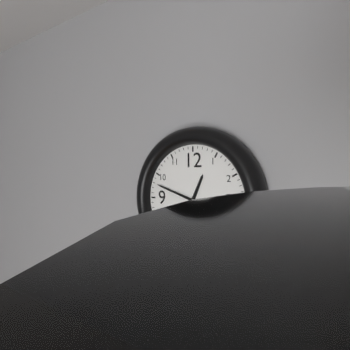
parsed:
12,48
